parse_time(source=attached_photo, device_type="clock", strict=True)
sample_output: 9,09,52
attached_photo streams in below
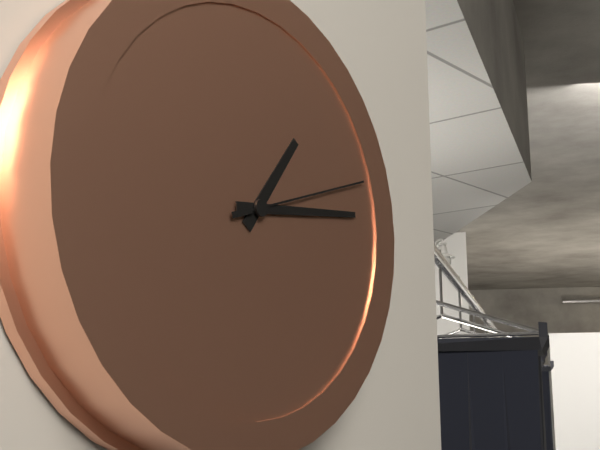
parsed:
1,14,12
